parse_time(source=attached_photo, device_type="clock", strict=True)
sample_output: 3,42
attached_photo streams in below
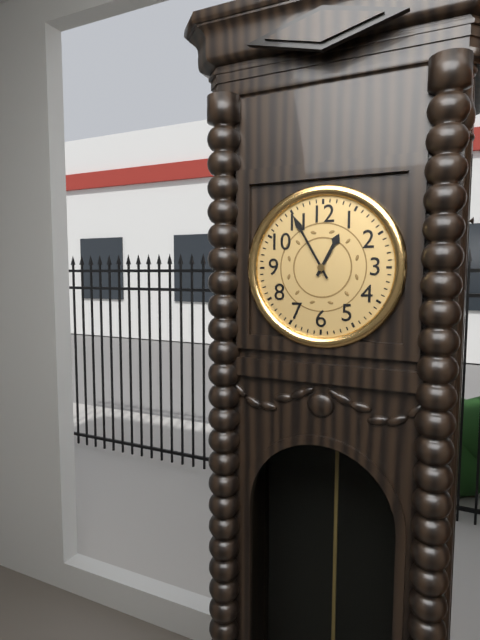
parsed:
12,55
